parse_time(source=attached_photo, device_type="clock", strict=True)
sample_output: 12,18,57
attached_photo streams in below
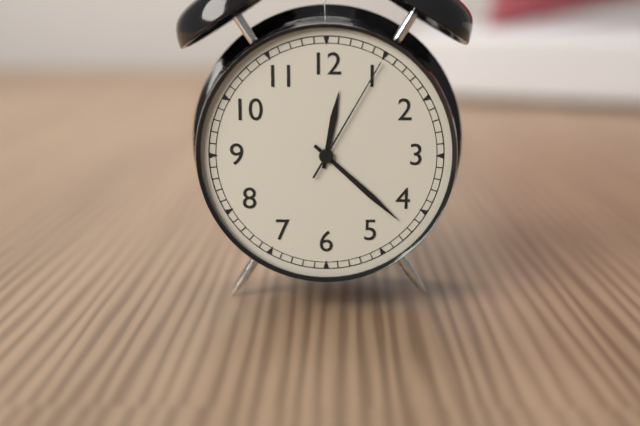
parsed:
12,22,05
